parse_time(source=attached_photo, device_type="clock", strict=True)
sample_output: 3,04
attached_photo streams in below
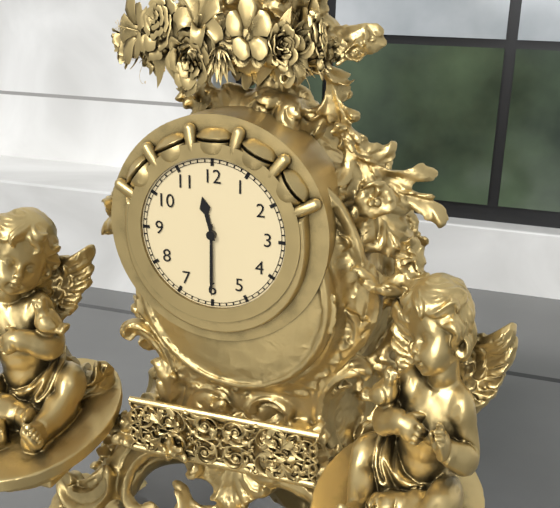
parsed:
11,30
